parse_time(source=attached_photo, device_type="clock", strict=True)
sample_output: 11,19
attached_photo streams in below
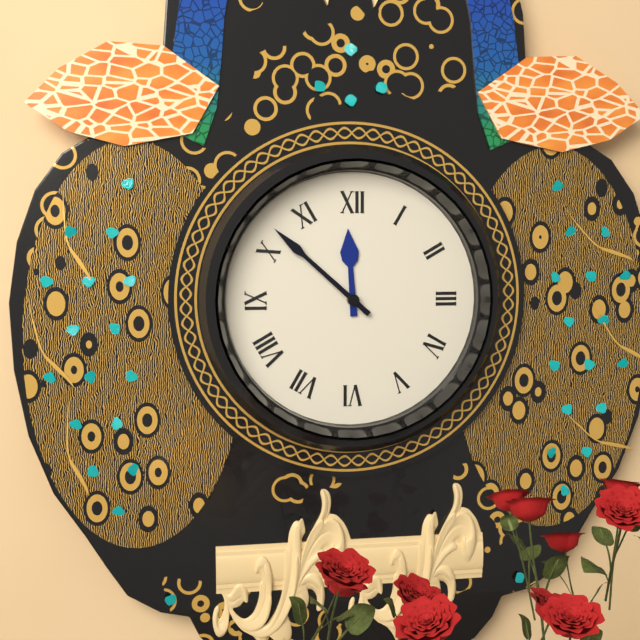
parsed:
11,52
